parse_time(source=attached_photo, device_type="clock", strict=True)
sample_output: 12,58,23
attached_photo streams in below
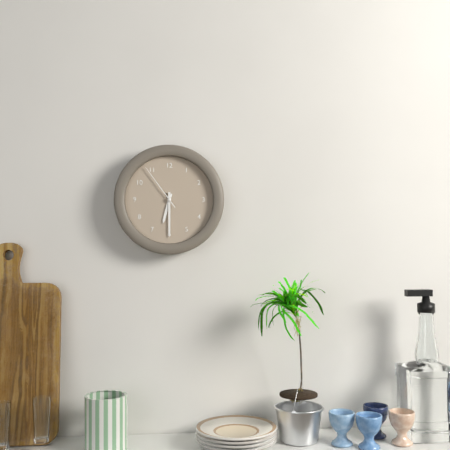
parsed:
6,30,54
